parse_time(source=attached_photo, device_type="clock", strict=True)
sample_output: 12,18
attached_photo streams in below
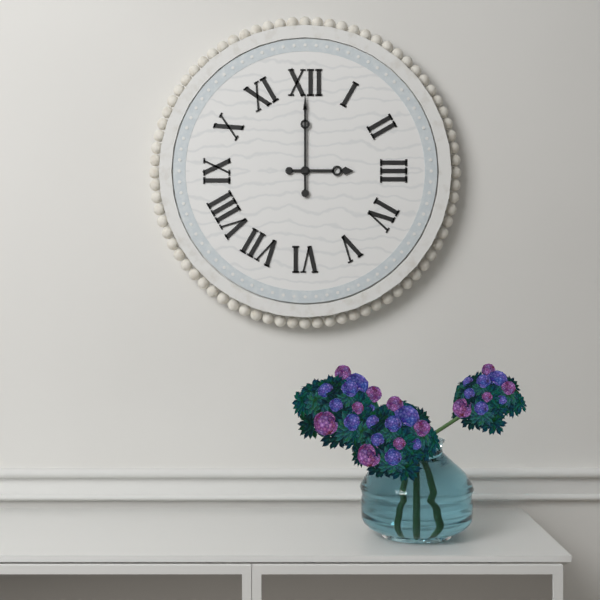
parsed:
3,00
